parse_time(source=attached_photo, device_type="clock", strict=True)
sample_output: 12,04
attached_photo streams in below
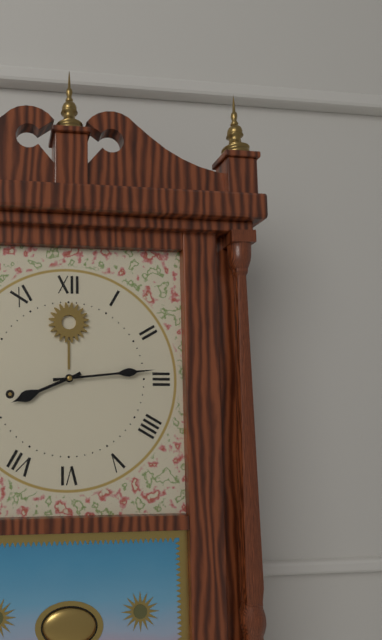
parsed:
8,14
